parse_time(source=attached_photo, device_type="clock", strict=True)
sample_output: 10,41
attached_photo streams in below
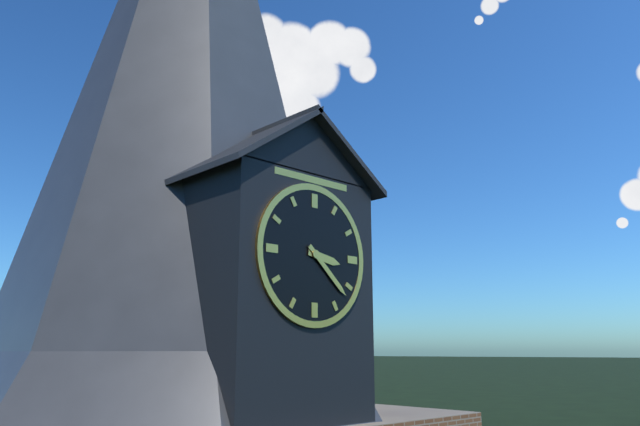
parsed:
3,22
